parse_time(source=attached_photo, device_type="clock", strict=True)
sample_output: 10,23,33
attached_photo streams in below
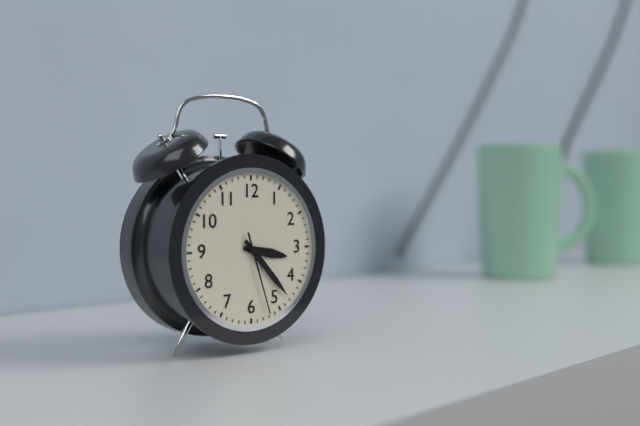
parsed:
3,23,27
